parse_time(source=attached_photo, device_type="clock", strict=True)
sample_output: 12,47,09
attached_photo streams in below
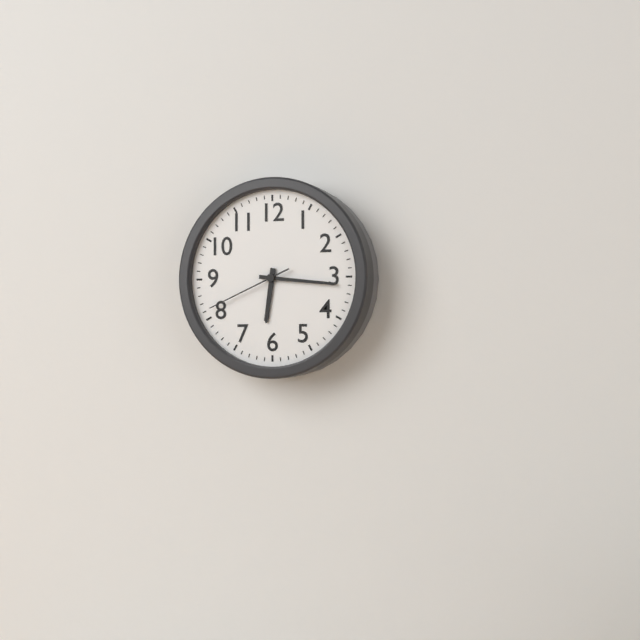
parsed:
6,16,41
